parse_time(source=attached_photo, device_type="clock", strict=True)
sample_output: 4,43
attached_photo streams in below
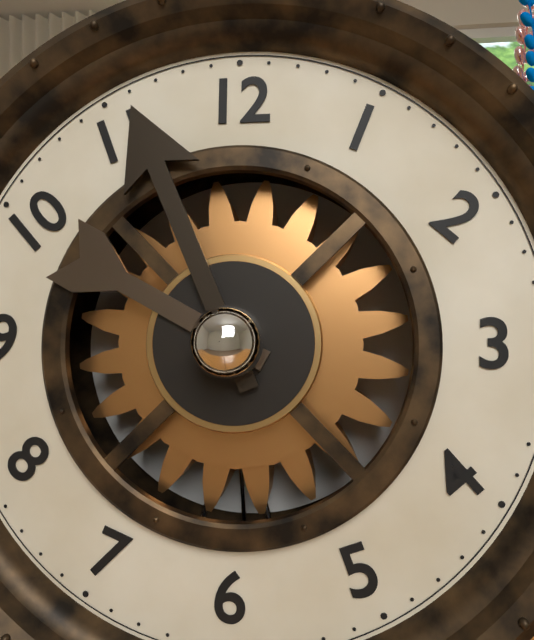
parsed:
9,56
